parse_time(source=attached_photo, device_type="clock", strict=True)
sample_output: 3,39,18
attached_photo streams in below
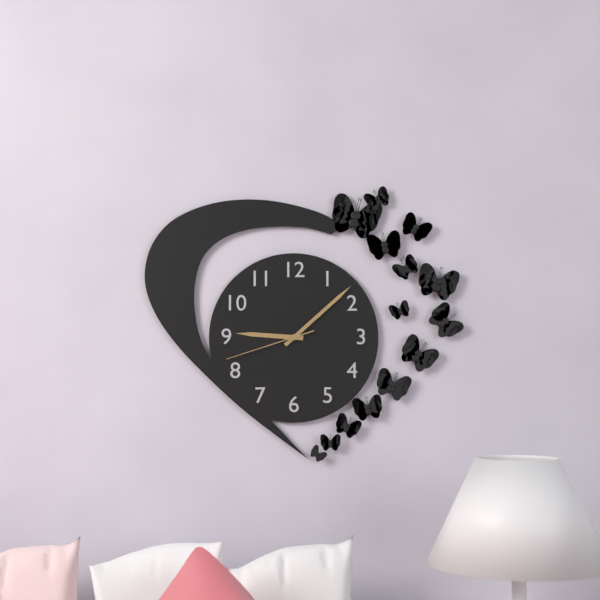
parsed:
9,08,42
